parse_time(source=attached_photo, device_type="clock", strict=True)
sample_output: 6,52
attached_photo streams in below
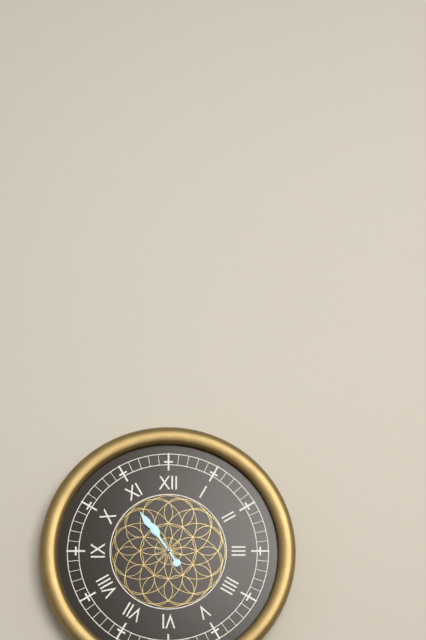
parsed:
10,54
